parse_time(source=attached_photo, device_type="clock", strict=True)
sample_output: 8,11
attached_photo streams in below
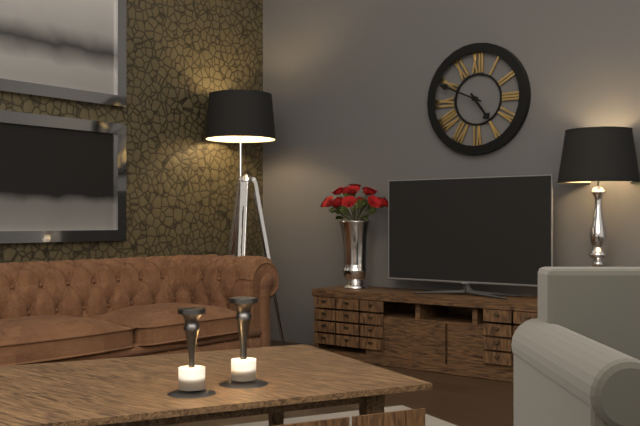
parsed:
4,49
